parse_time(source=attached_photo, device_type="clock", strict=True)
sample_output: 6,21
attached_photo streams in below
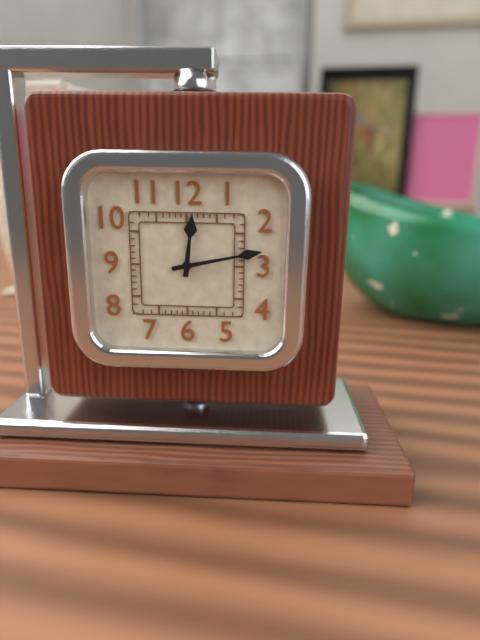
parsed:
12,13
